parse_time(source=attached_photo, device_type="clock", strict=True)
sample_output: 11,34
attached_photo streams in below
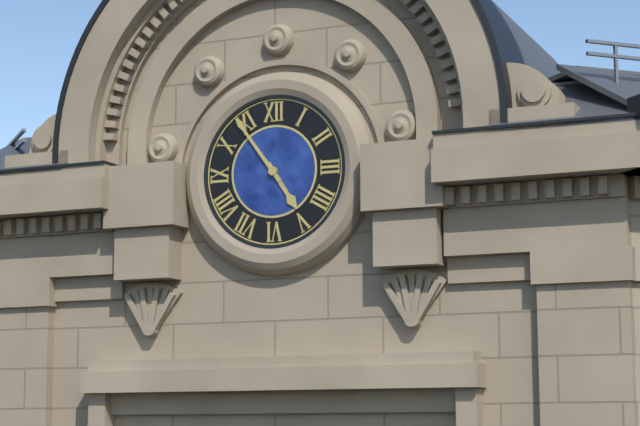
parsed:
4,54
